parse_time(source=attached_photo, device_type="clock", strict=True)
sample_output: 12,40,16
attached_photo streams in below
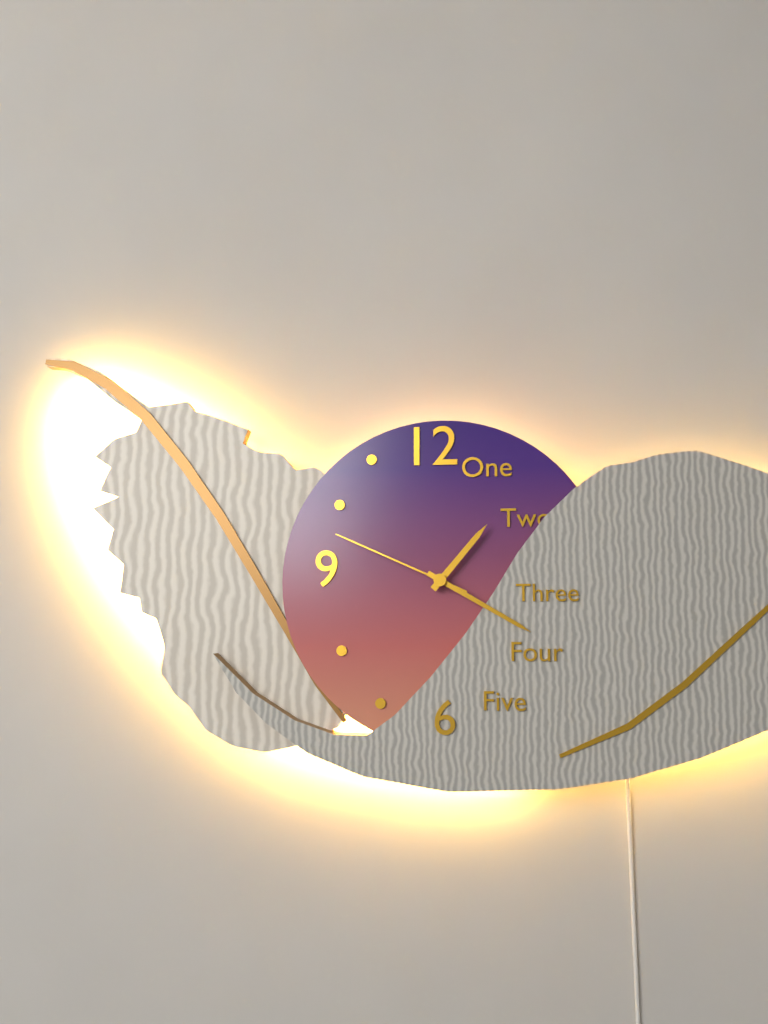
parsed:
1,20,49
